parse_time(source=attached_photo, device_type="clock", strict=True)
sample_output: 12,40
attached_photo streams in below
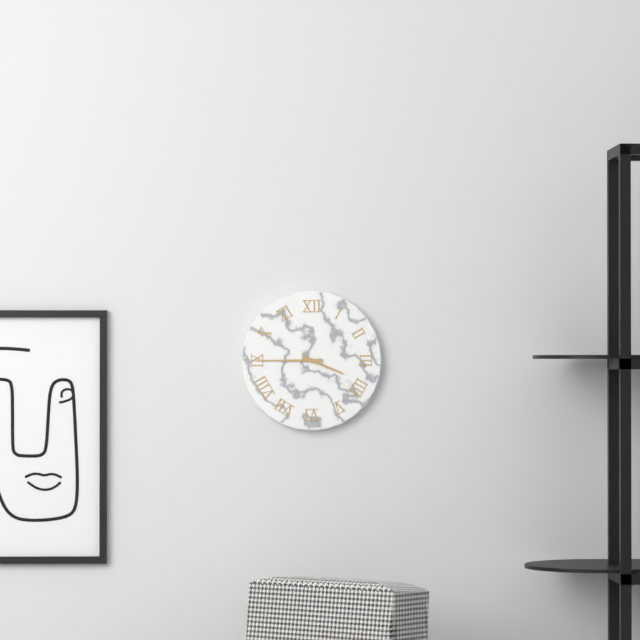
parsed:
3,45
